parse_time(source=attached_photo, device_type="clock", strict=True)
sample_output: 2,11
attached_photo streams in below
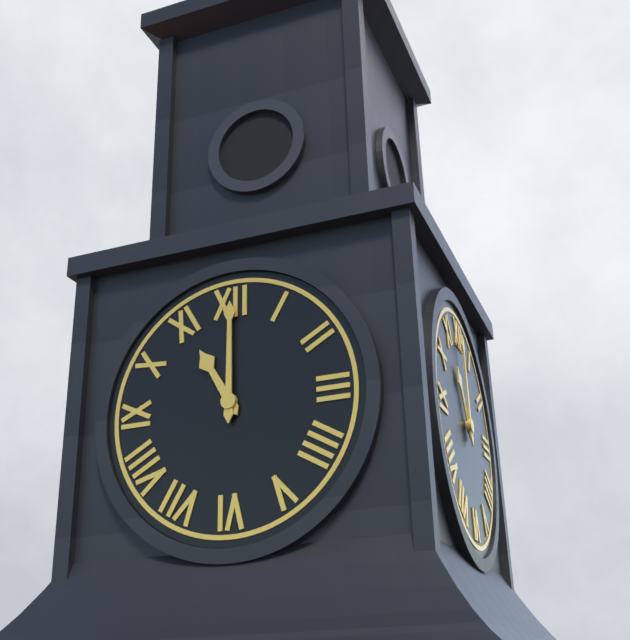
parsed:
11,00
